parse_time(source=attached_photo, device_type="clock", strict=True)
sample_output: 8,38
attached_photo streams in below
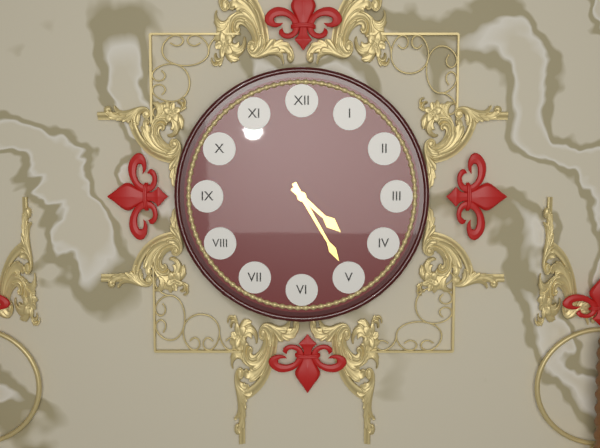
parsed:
4,25
